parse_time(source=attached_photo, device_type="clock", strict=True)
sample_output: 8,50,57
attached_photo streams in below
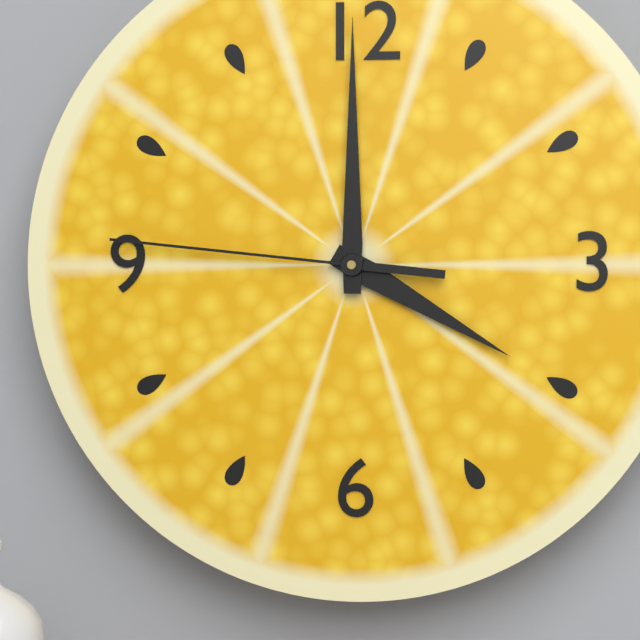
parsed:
4,00,46
